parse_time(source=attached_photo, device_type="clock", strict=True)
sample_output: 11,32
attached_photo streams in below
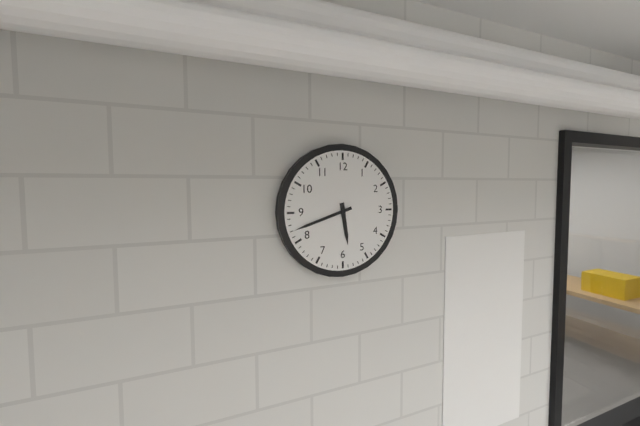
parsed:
5,42
